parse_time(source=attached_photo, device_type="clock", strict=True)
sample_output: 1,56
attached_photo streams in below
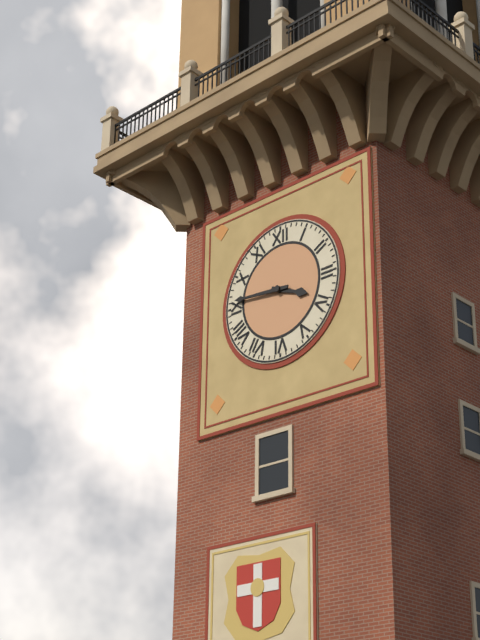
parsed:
3,46
